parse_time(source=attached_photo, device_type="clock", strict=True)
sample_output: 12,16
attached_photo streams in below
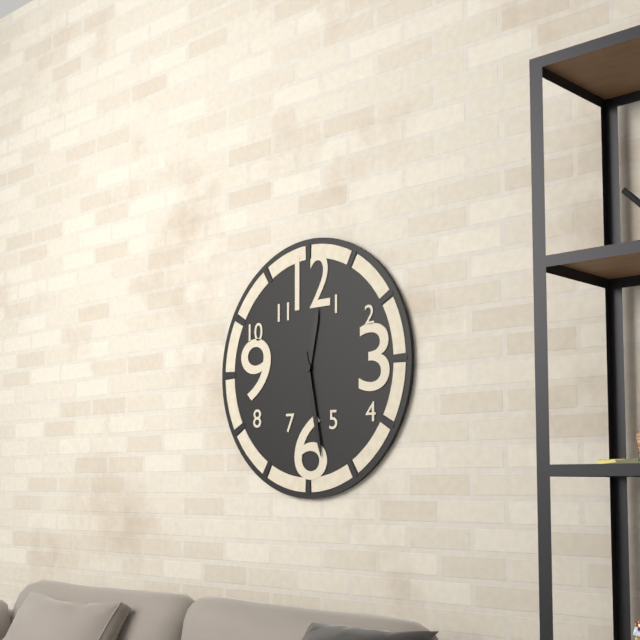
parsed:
12,28
